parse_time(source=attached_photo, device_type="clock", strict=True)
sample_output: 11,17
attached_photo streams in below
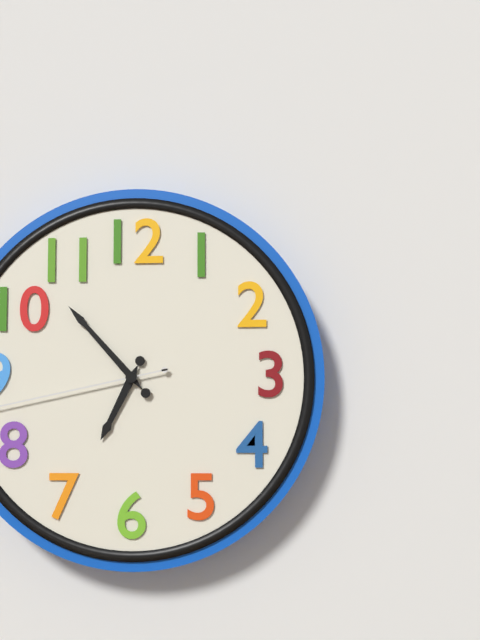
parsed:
6,53
